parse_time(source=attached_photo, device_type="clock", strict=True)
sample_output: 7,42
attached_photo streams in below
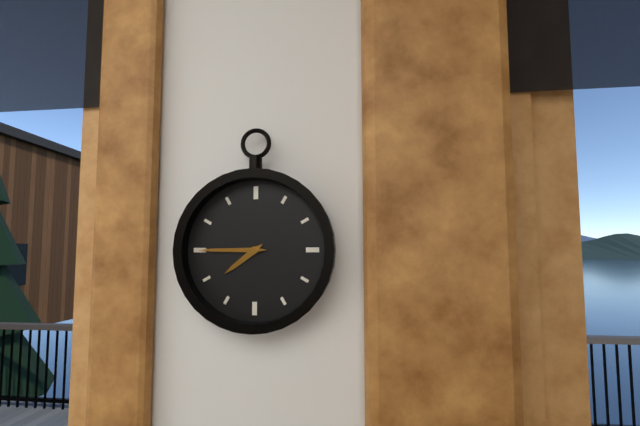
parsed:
7,45
